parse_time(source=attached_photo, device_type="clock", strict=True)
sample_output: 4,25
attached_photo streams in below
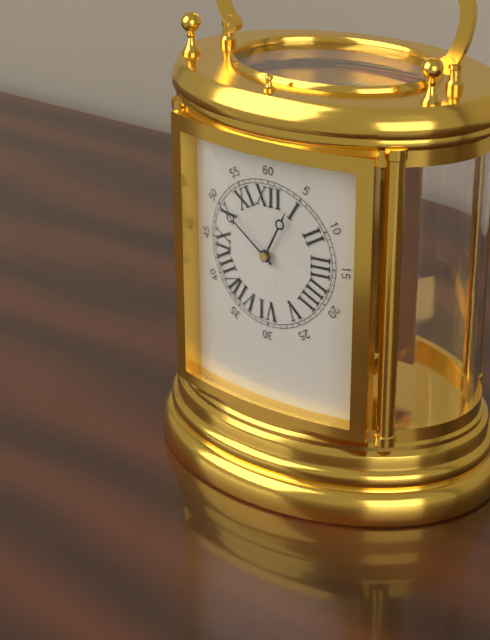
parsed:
12,51
